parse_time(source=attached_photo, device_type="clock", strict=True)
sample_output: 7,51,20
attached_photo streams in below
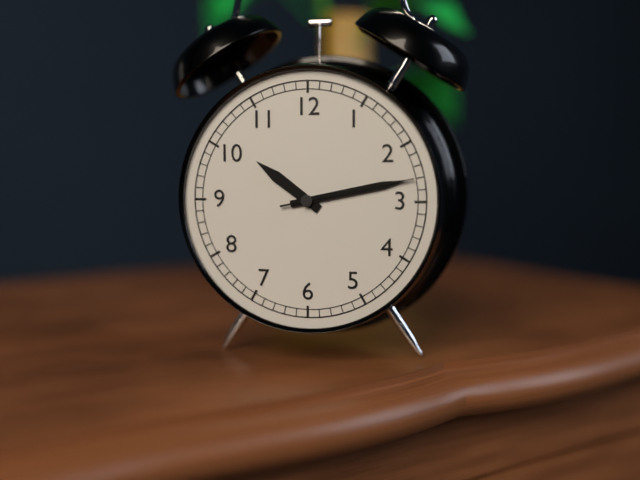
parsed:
10,13,13
